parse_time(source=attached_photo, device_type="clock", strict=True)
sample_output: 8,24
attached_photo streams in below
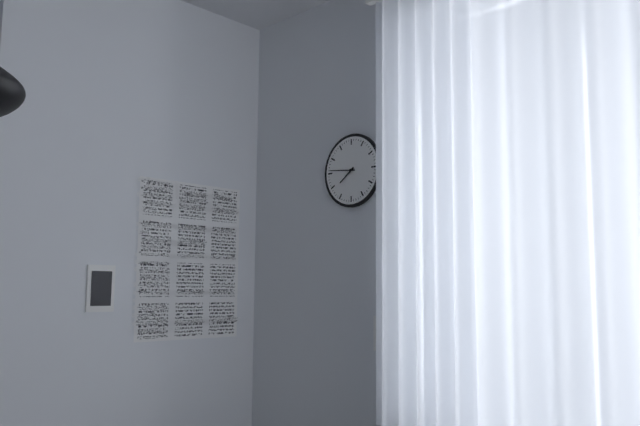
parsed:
7,46
